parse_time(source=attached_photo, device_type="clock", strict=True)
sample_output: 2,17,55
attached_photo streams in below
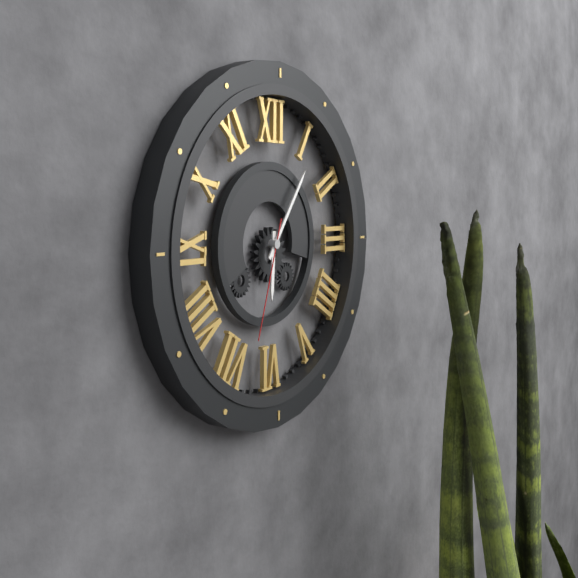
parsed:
6,06,33
